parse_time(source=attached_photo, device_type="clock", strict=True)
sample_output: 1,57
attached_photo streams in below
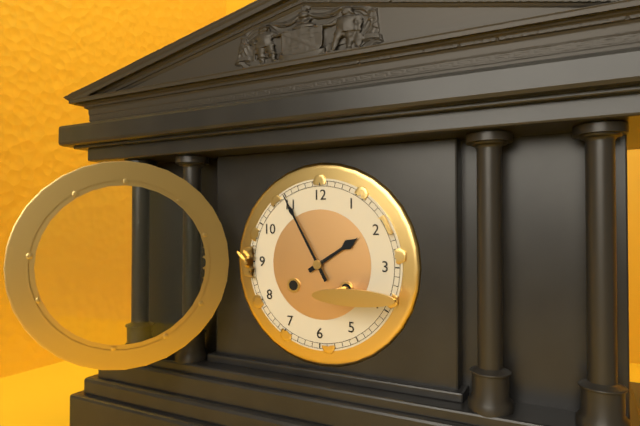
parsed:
1,55
